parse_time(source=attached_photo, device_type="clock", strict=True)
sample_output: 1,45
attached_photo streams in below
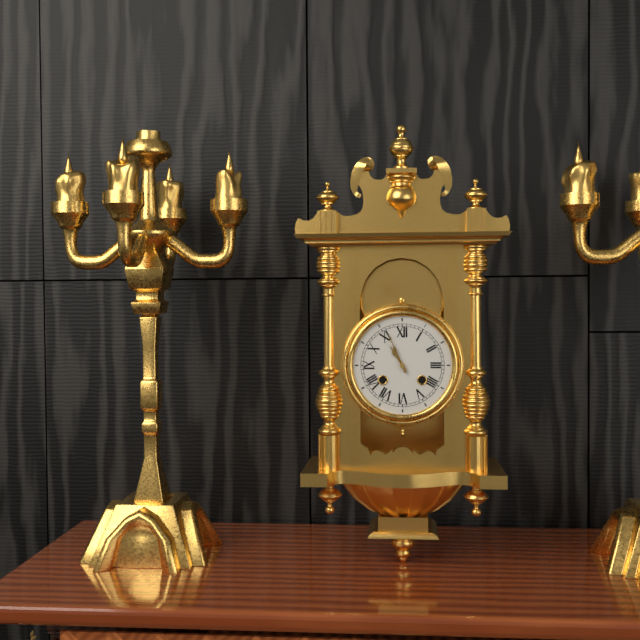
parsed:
10,56
